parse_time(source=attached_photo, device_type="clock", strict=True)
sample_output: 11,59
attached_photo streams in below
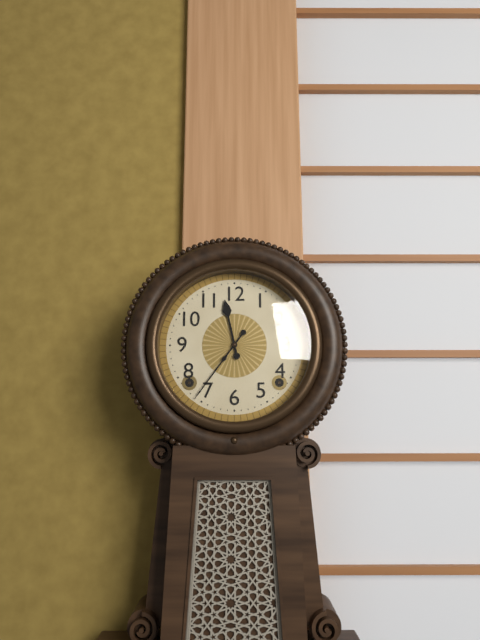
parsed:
11,36
